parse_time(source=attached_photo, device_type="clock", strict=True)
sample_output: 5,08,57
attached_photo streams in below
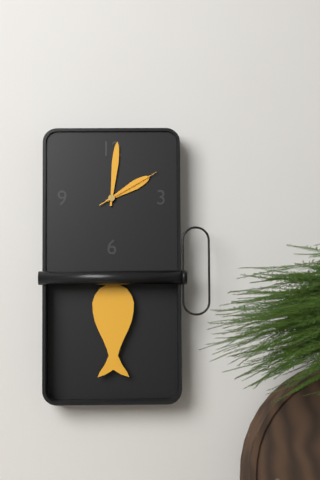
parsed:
2,01,10
